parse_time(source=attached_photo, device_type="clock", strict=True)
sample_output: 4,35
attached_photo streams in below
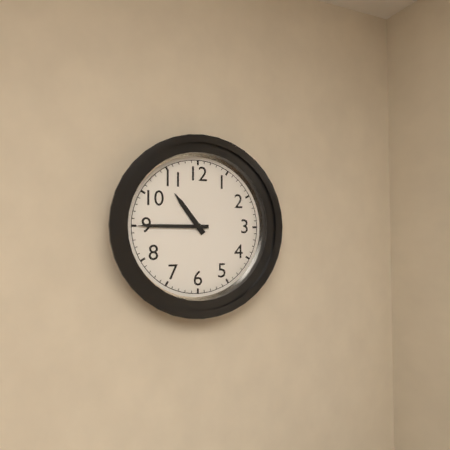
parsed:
10,45
